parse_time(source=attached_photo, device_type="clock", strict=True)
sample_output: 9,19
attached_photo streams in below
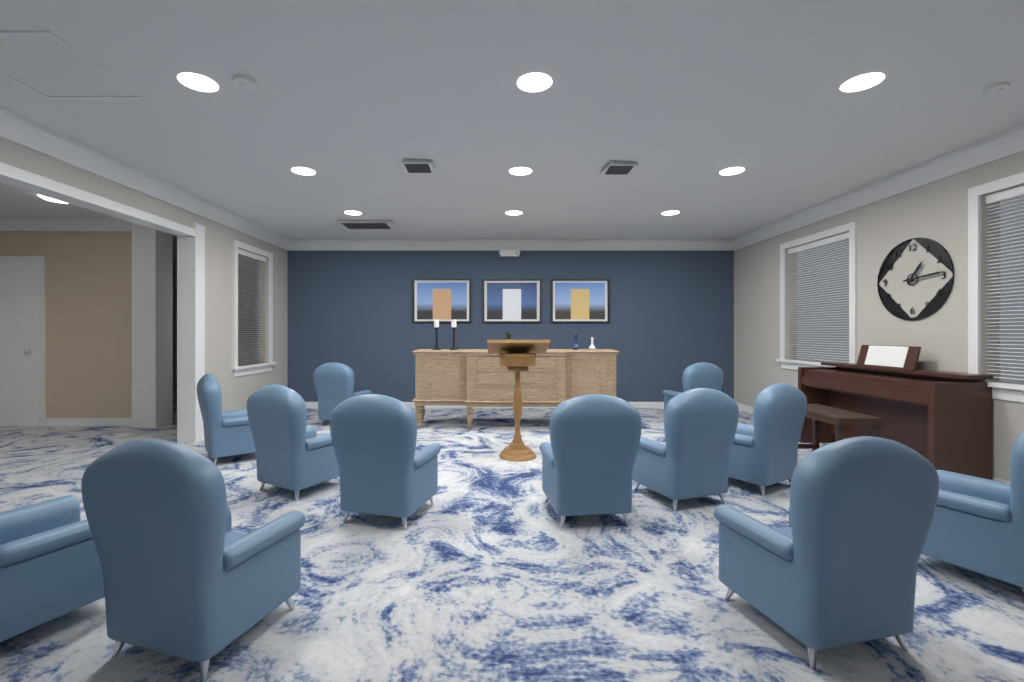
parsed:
1,14
